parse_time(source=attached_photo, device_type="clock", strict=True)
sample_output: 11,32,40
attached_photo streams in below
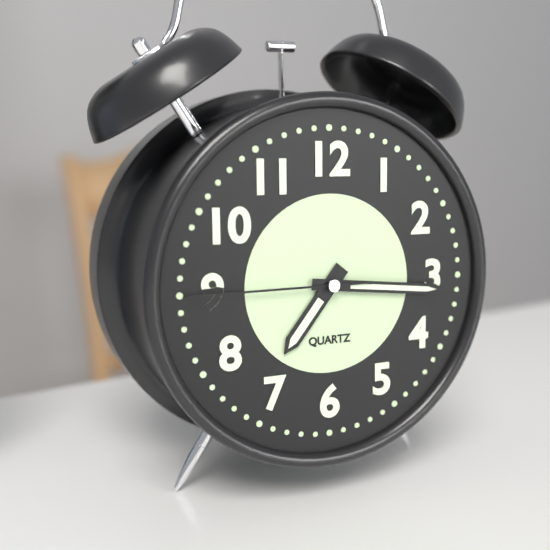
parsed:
7,16,45
